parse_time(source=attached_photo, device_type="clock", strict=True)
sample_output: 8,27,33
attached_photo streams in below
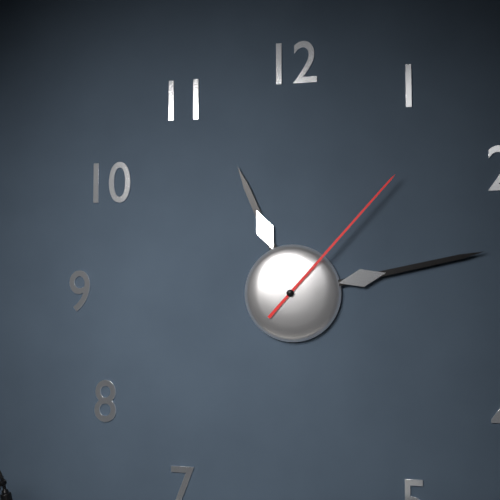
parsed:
11,13,07
